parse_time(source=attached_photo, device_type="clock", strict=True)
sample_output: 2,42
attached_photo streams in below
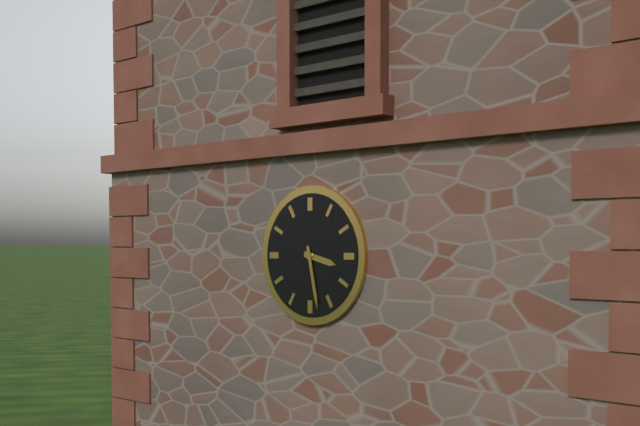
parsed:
3,28
